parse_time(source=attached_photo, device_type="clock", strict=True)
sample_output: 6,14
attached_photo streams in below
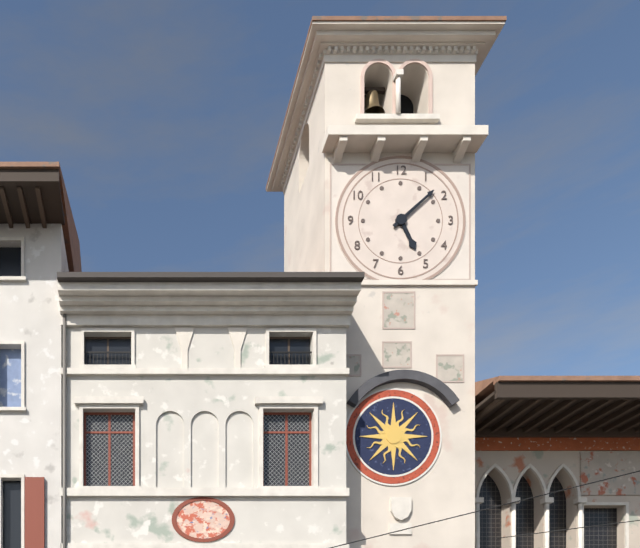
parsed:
5,08
